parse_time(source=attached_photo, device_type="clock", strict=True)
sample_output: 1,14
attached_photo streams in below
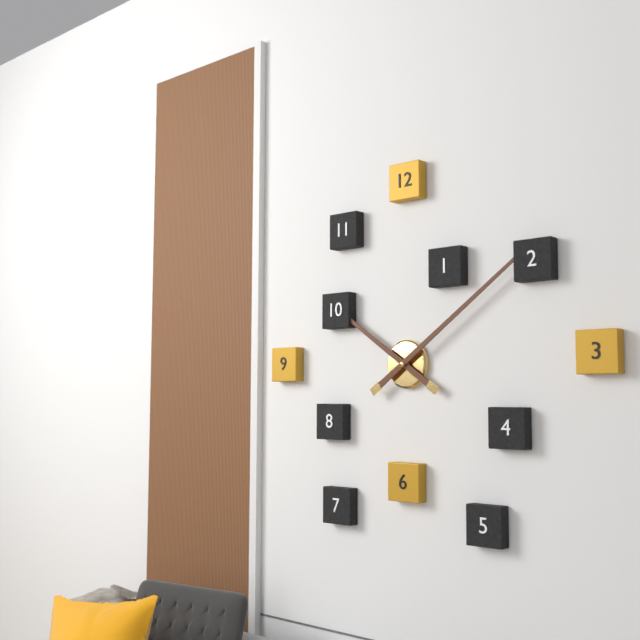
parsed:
10,09
